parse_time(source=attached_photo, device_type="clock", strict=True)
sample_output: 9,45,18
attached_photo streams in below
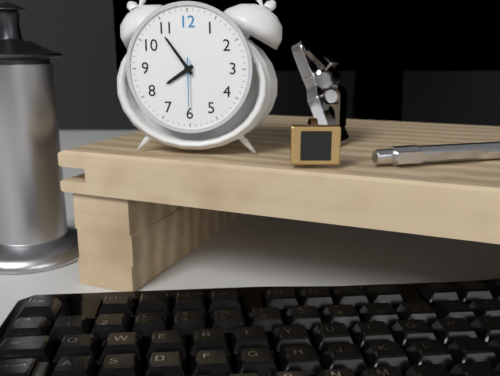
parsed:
7,54,30
